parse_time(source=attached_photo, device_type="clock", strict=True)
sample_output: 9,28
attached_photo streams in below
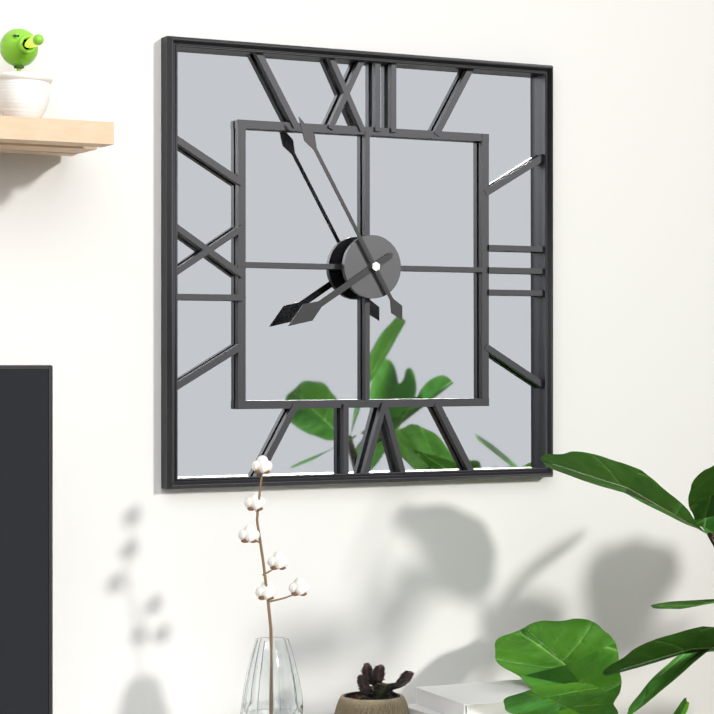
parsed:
7,55
